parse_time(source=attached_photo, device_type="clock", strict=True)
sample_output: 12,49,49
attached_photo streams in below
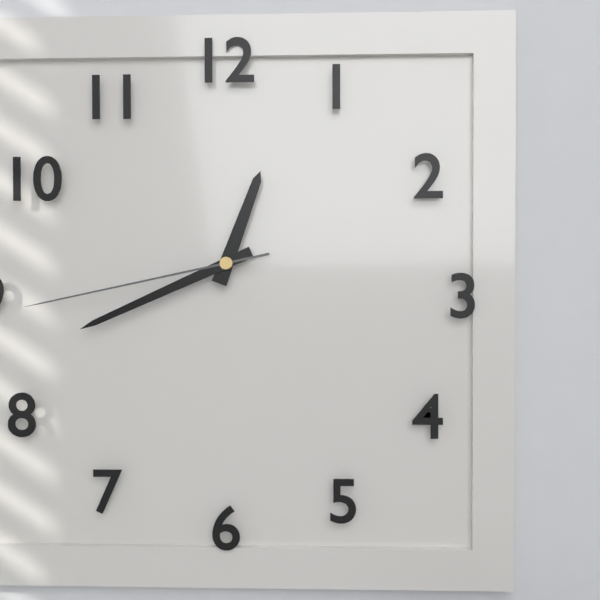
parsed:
12,41,43
